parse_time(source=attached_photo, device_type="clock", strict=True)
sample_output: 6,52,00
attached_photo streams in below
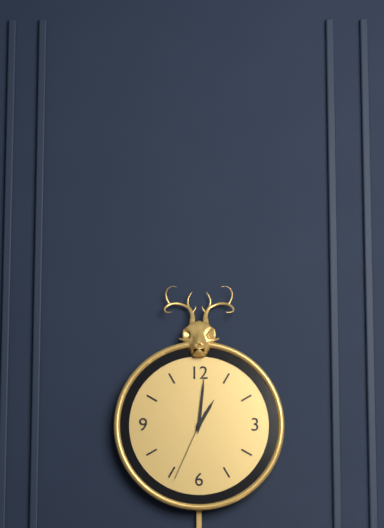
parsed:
1,01,34
